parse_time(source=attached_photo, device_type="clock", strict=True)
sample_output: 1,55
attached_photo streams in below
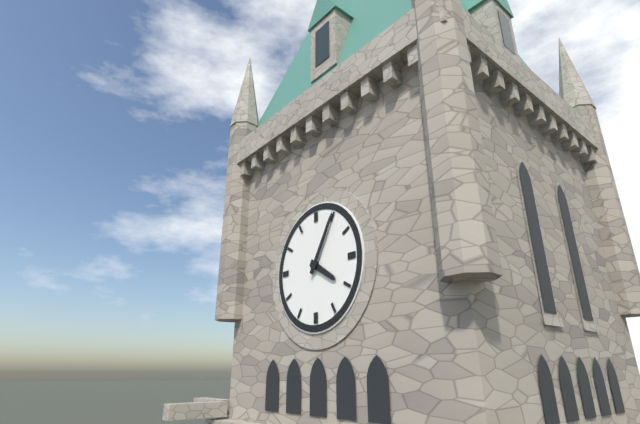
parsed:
4,05
